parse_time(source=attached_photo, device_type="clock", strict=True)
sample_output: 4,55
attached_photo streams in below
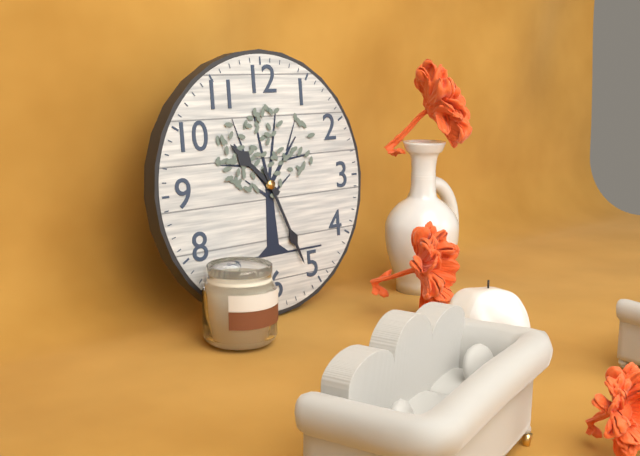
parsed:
10,26
